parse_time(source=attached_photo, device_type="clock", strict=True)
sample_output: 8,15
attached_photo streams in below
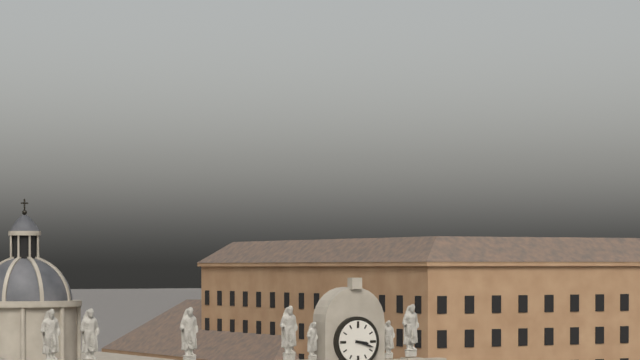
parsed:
3,18
